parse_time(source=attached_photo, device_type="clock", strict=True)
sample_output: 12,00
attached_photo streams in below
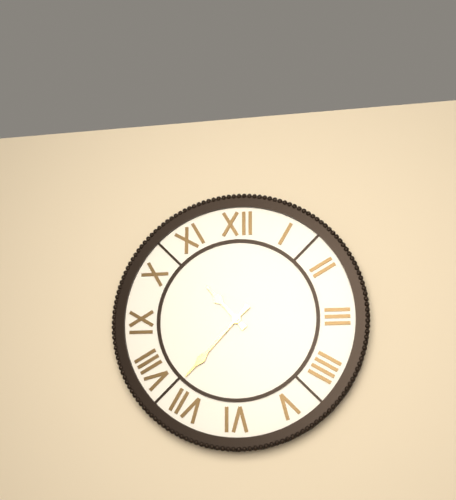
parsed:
10,37
